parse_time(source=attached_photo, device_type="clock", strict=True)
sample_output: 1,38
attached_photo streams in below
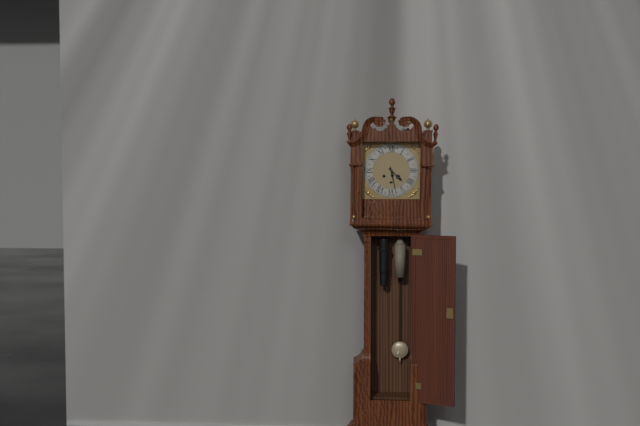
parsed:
4,28
